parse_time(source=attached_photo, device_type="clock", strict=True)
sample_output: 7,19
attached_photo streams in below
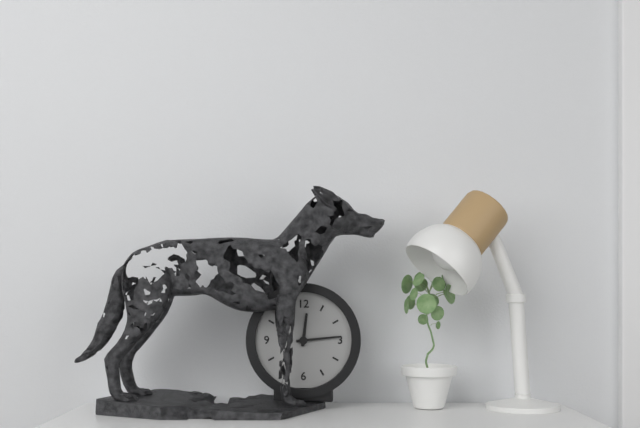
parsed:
12,14
